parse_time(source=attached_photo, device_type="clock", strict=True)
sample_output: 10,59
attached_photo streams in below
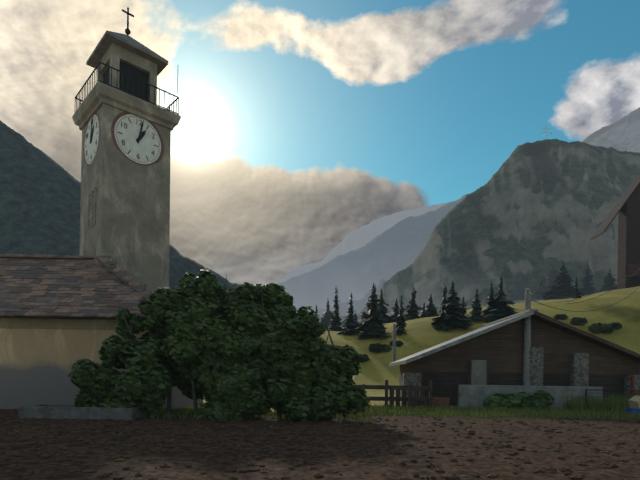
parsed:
1,02
